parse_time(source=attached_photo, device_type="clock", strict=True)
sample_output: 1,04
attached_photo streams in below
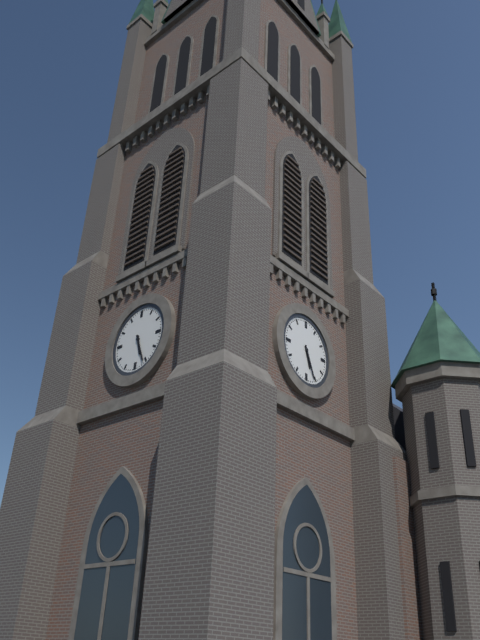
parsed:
5,26
